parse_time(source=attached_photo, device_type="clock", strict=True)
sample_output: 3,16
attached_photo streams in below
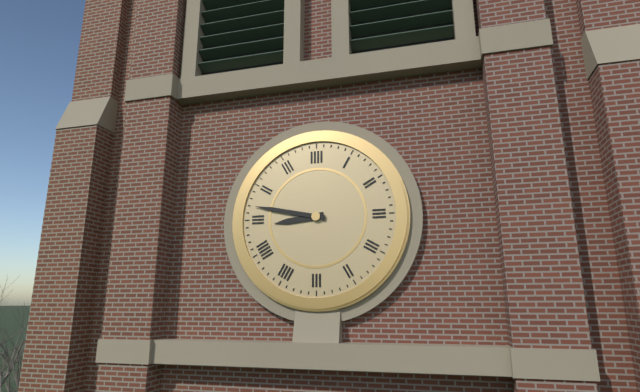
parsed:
8,47
